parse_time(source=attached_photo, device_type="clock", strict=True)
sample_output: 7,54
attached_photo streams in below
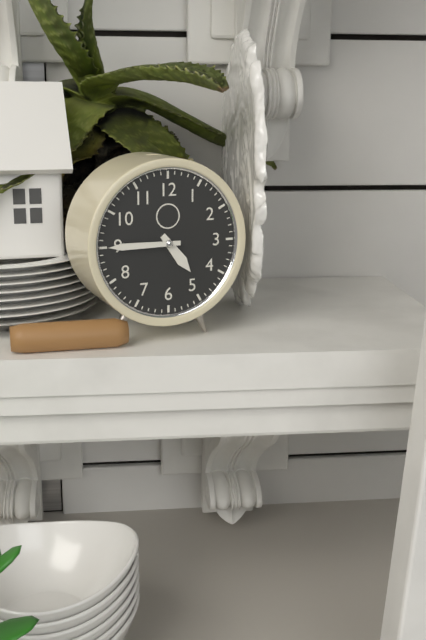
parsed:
4,45
